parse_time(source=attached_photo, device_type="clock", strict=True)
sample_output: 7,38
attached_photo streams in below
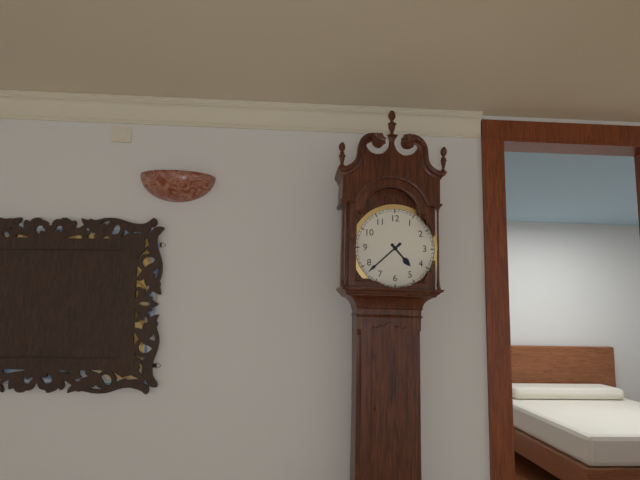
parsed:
4,38
